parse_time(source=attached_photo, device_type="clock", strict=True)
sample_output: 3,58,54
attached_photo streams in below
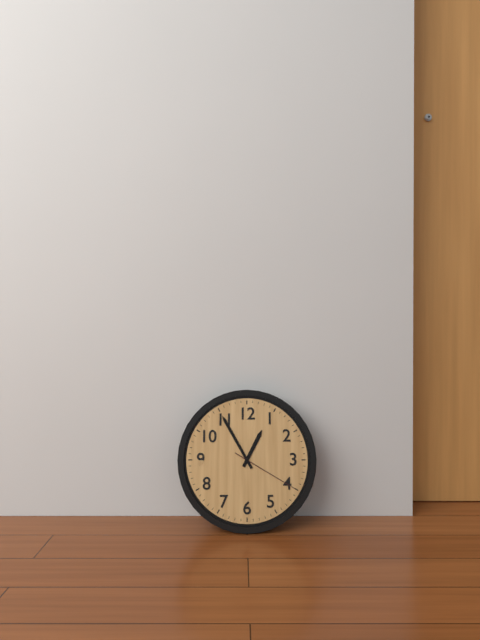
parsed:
12,55,20
